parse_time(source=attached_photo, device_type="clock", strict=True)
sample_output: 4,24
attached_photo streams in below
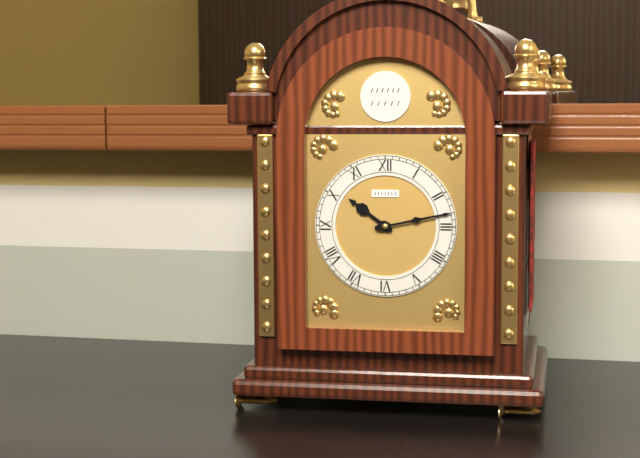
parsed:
10,13
